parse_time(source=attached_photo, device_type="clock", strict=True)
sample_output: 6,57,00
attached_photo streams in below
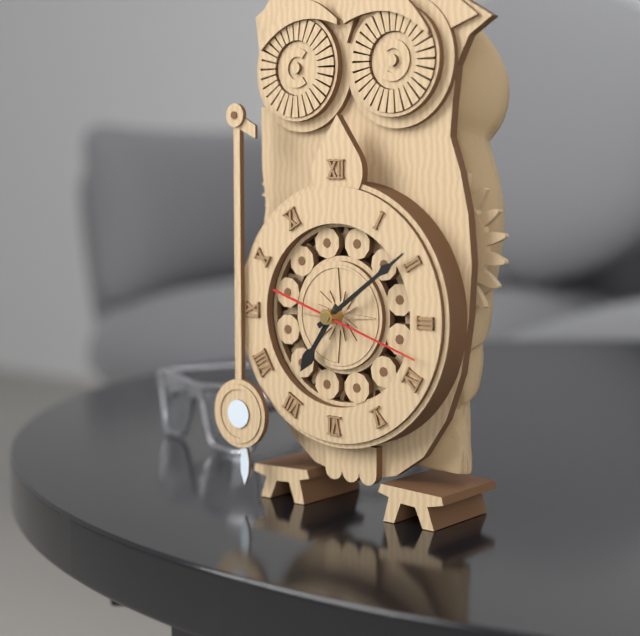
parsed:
7,09,18
